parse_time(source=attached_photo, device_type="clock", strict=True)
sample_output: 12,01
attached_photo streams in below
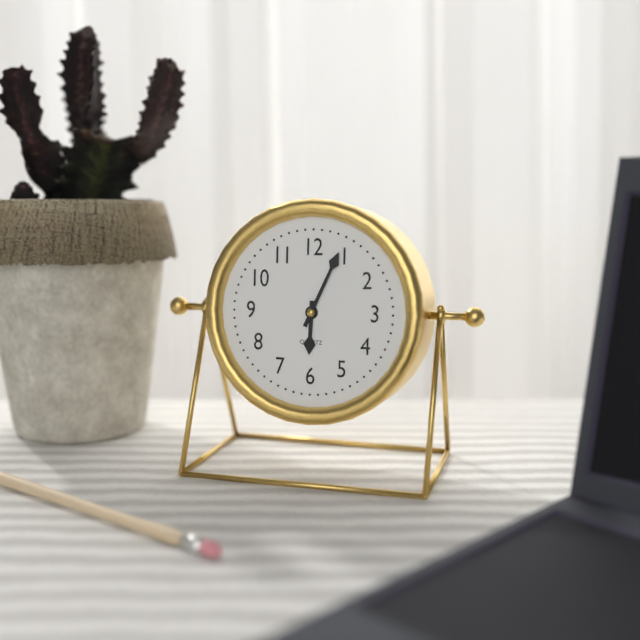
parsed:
6,04
